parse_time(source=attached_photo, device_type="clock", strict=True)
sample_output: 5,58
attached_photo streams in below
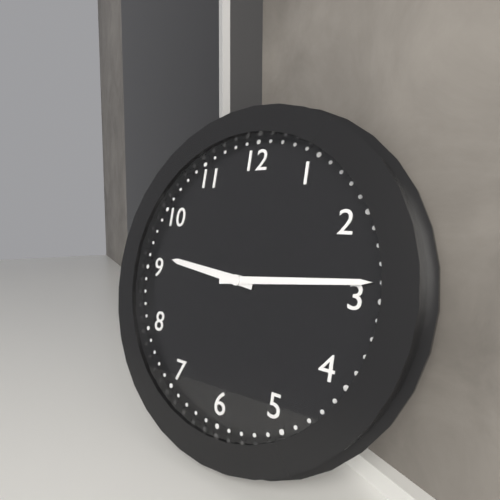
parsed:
9,14
